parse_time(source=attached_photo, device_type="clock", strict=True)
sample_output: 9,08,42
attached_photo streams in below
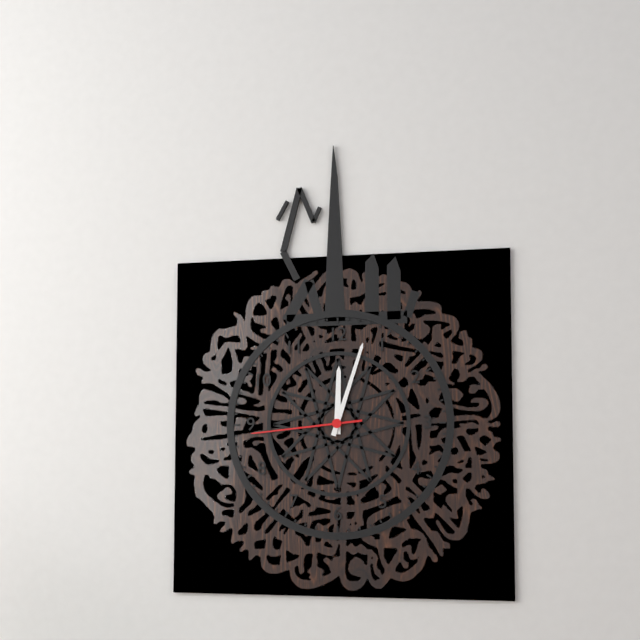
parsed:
12,03,44
